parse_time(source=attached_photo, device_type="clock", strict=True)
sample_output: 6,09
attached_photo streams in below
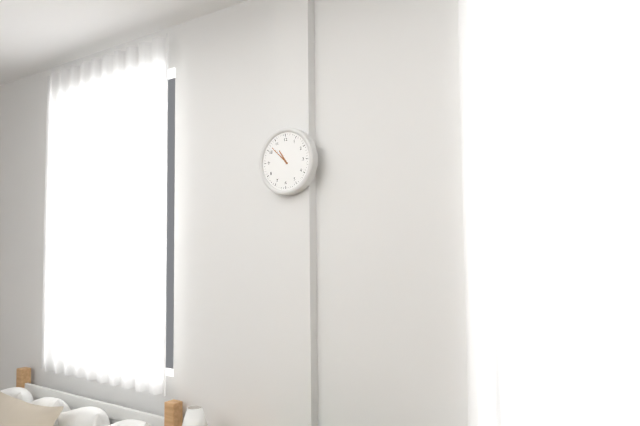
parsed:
10,52
